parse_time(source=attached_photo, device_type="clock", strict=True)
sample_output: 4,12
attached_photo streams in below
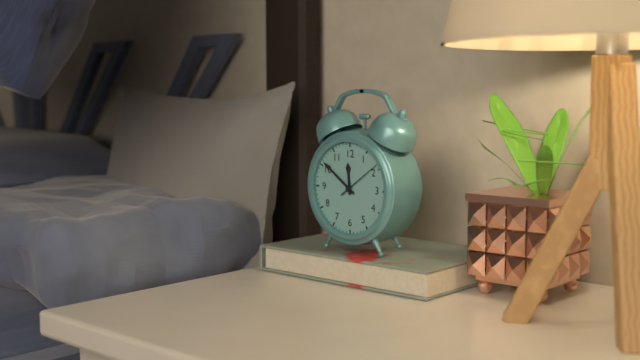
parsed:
11,51
